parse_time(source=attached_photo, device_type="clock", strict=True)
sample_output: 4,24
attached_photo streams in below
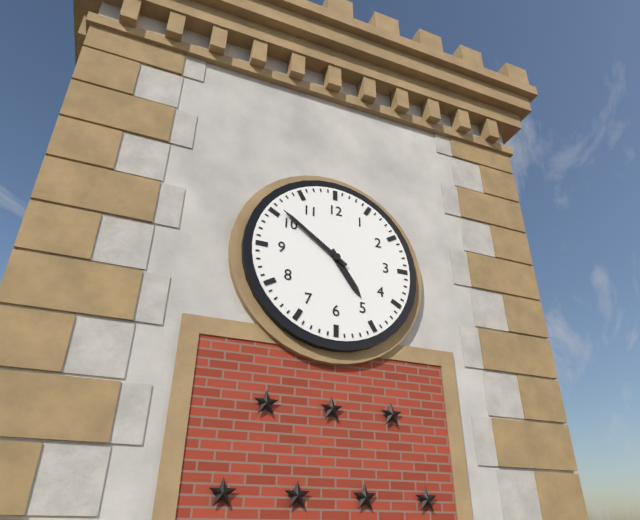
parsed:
4,51
